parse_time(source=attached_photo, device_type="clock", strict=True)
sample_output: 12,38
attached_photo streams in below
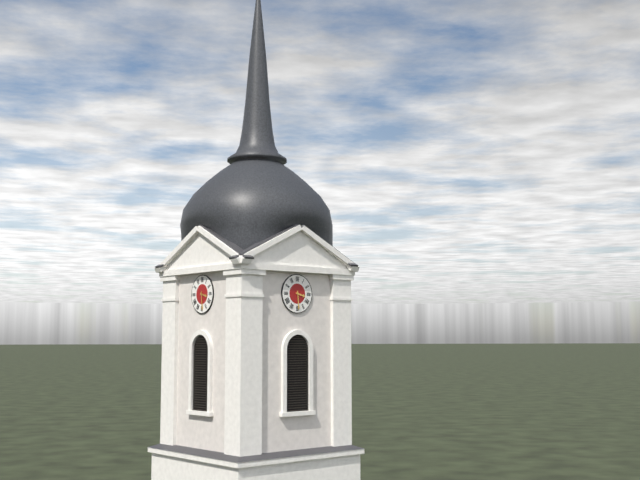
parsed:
3,29
